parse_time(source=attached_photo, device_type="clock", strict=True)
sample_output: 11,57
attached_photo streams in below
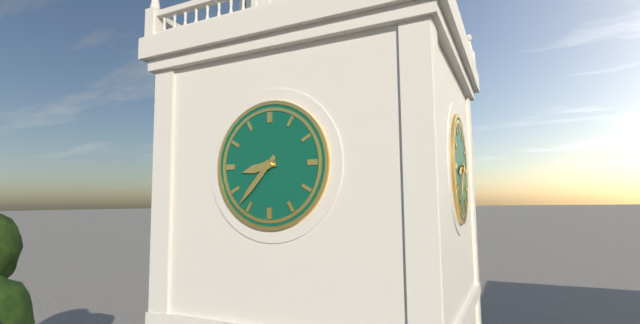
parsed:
8,37
